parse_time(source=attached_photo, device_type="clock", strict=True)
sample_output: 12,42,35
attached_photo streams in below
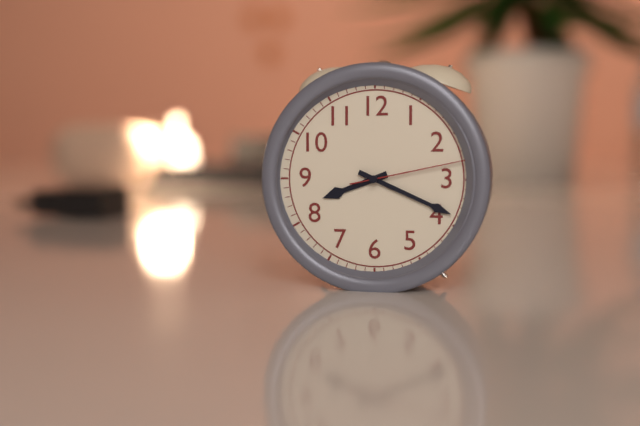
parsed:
8,19,13
